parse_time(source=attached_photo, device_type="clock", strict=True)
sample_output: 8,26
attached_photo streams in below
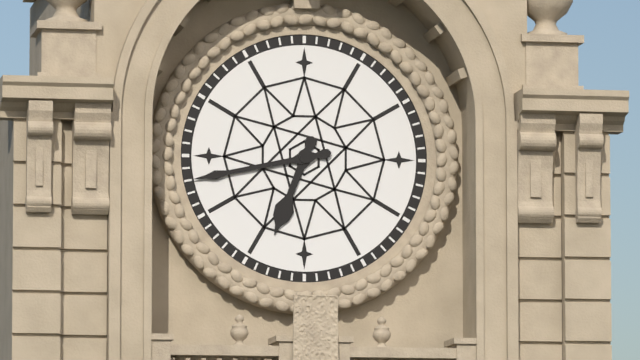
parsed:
6,43
